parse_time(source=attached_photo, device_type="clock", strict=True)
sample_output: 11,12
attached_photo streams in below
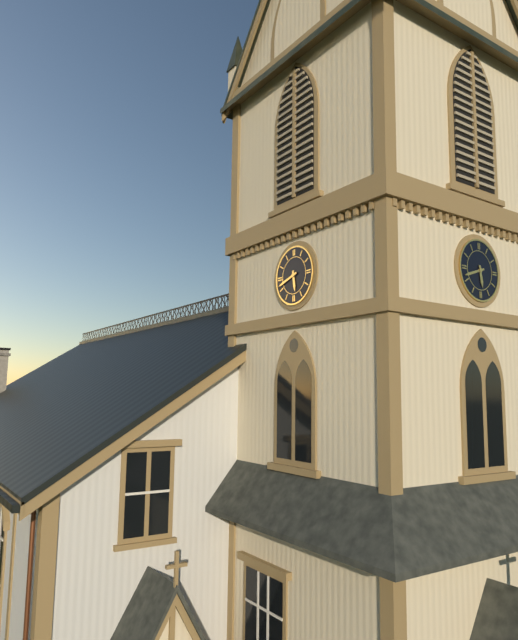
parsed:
5,42
